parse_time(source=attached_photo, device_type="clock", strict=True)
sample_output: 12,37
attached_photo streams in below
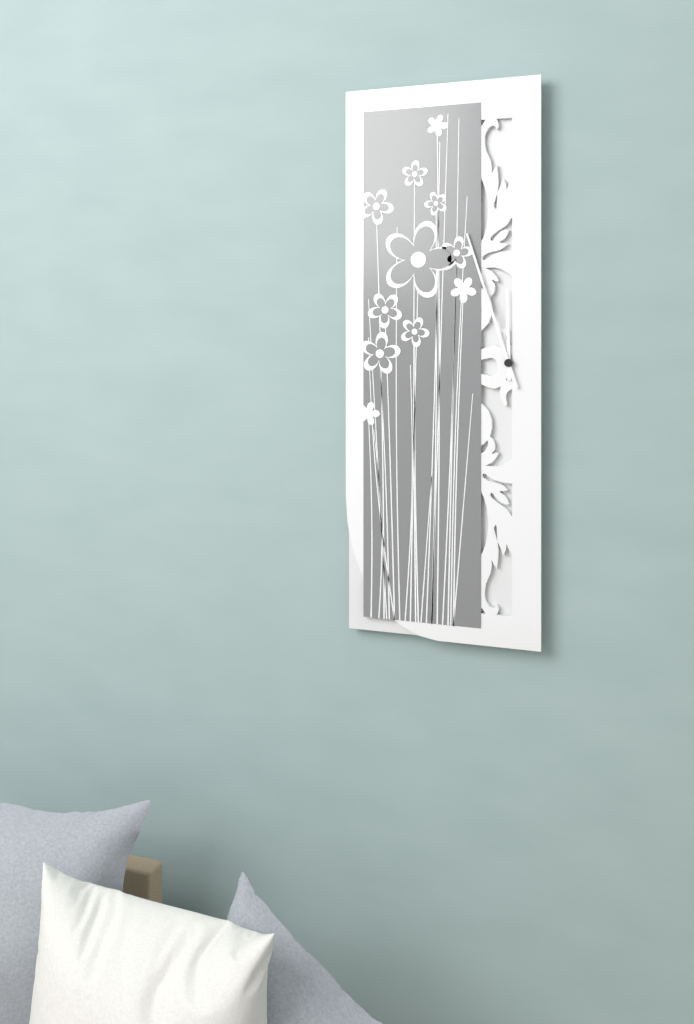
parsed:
11,57
